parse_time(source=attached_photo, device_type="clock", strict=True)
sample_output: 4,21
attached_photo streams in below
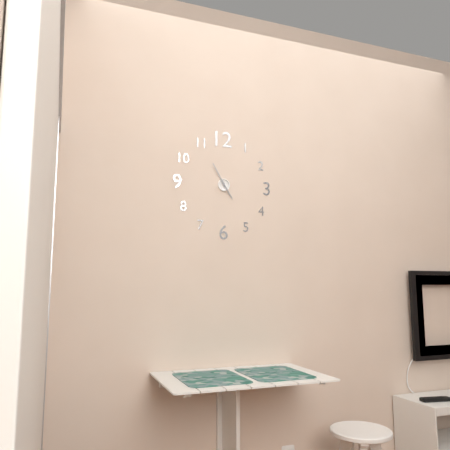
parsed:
4,55
